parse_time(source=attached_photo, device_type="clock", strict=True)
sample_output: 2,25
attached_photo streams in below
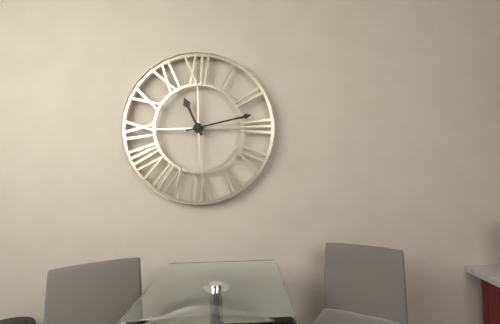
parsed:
11,13
